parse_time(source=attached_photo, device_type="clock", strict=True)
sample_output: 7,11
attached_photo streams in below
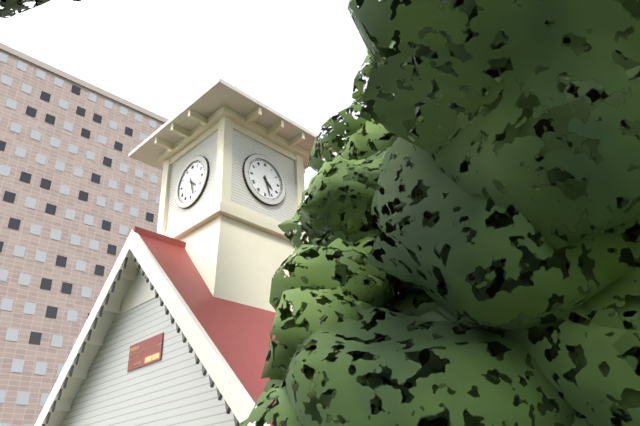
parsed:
4,27
